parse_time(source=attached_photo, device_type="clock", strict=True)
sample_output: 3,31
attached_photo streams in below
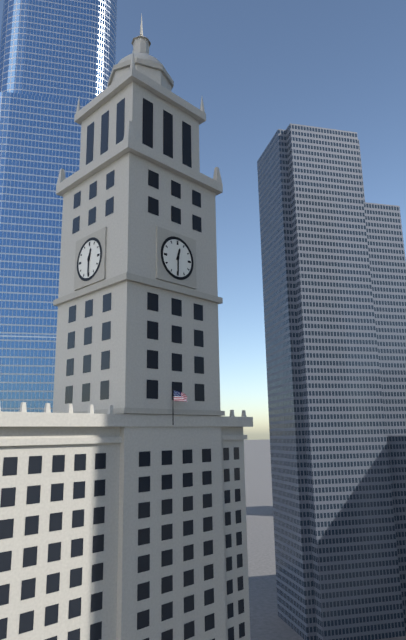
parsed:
12,30
